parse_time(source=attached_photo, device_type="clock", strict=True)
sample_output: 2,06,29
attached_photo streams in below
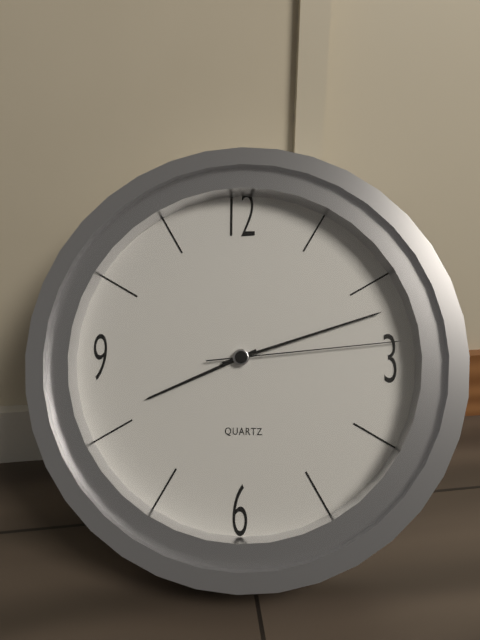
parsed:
8,12,14
